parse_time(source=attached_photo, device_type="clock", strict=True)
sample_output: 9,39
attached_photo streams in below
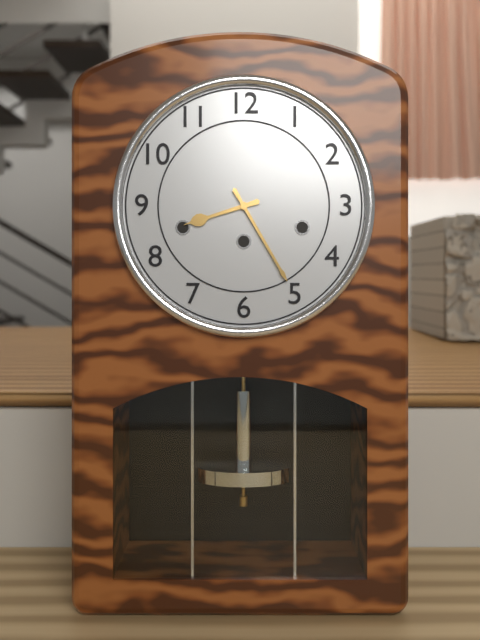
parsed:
8,25
